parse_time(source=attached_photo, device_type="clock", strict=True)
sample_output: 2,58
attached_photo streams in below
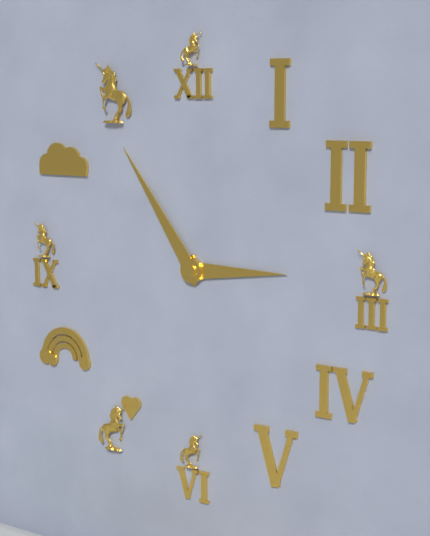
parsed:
2,54
